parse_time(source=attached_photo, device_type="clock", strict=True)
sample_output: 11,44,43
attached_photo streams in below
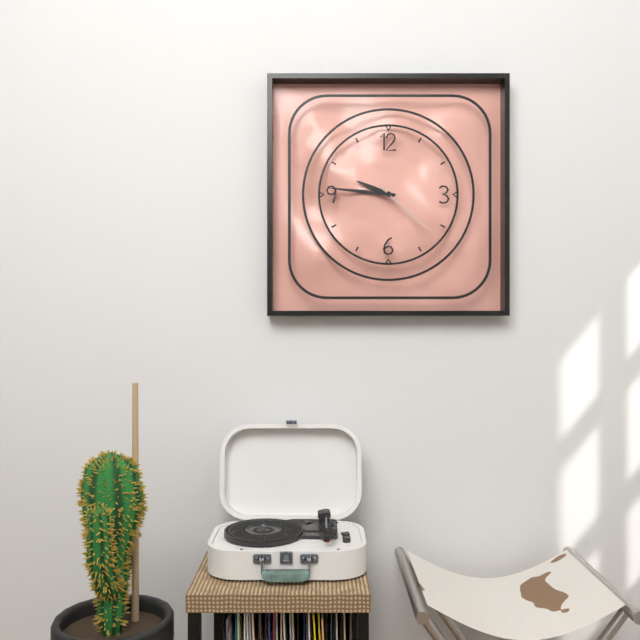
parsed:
9,46,22
